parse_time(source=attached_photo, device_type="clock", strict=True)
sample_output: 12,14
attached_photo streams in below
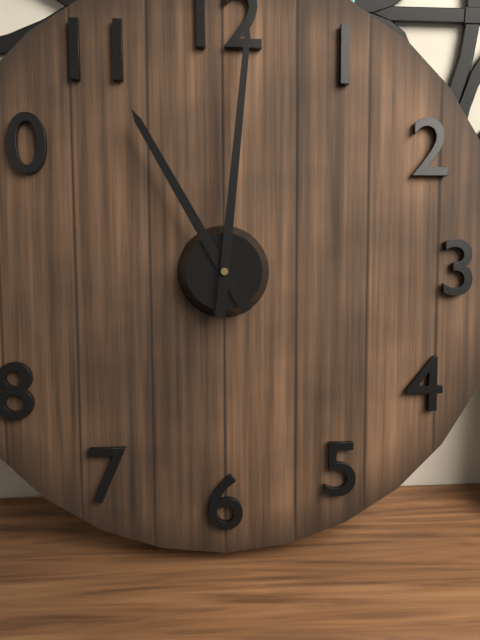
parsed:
11,01
